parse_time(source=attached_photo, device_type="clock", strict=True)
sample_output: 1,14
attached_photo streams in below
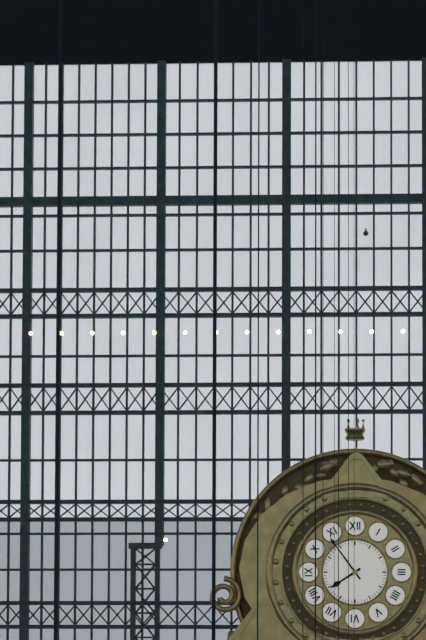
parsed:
7,54
